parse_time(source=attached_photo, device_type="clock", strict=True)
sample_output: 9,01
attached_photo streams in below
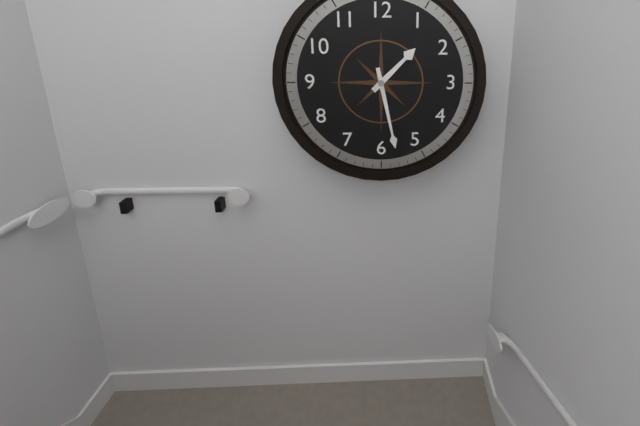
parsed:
1,28
